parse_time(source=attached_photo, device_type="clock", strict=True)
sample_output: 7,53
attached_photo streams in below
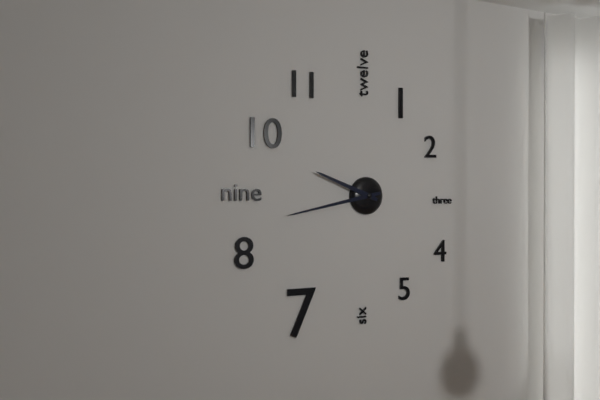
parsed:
9,43
